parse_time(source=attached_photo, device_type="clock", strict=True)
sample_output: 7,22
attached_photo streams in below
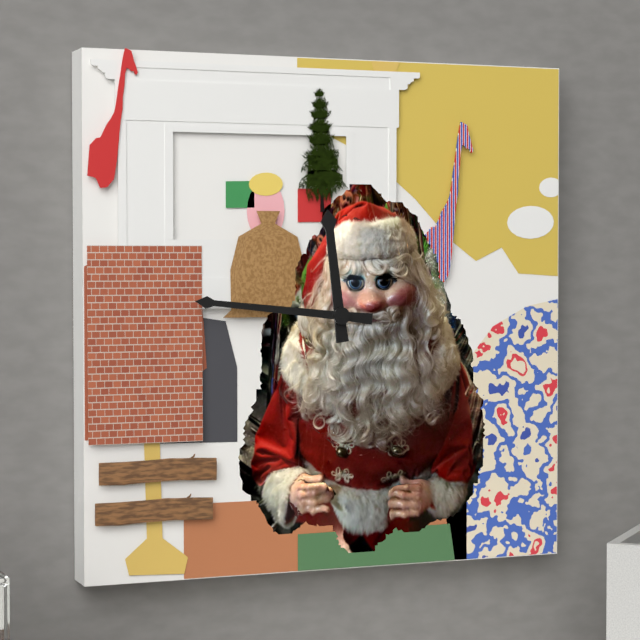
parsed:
11,46
